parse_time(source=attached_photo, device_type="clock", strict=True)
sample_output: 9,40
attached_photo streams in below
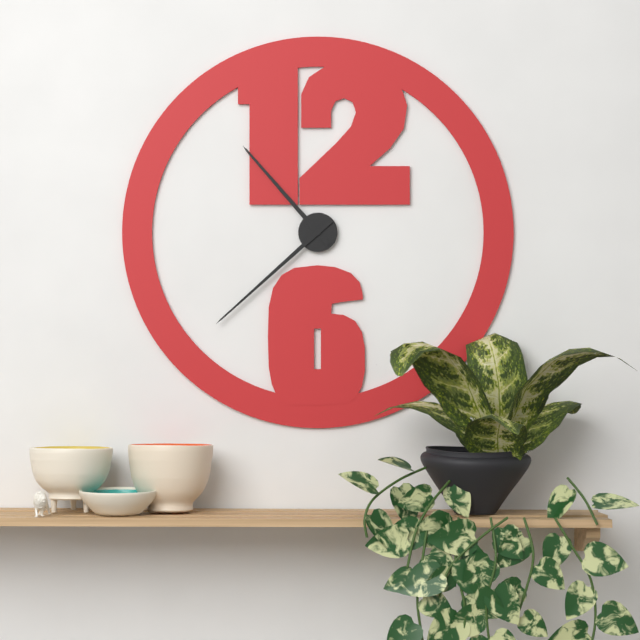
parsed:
10,38
